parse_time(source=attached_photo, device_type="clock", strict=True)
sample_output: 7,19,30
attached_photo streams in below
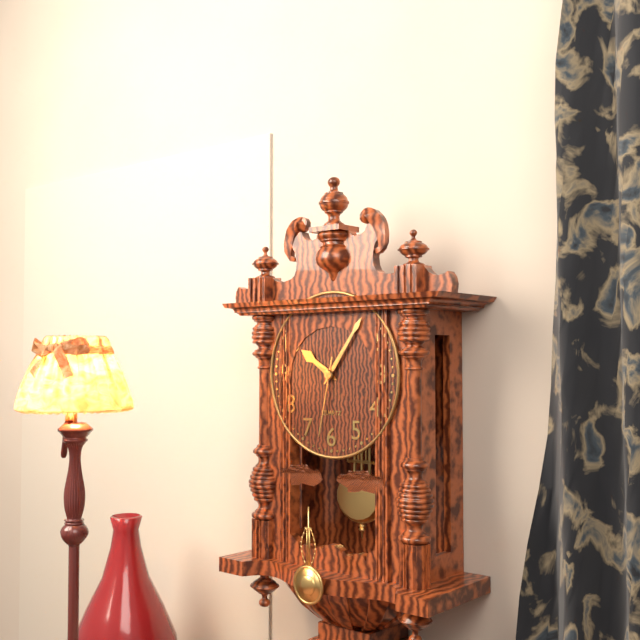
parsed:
10,06,32
